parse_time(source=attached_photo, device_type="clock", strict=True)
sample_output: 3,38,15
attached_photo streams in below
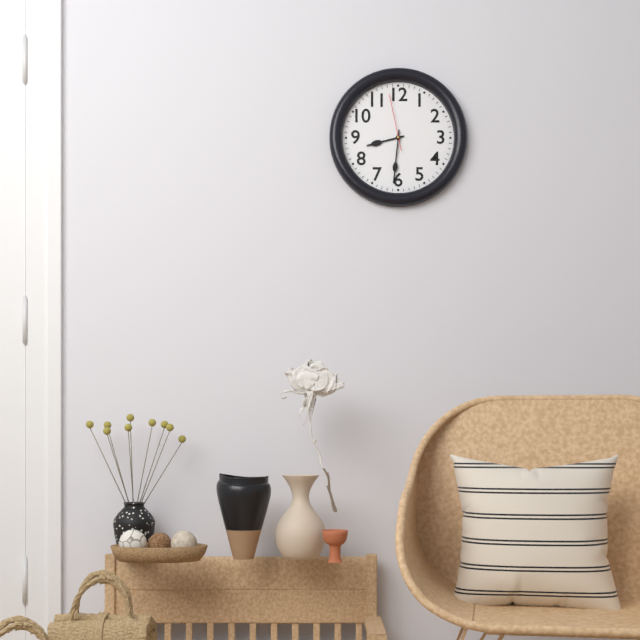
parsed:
8,31,58
